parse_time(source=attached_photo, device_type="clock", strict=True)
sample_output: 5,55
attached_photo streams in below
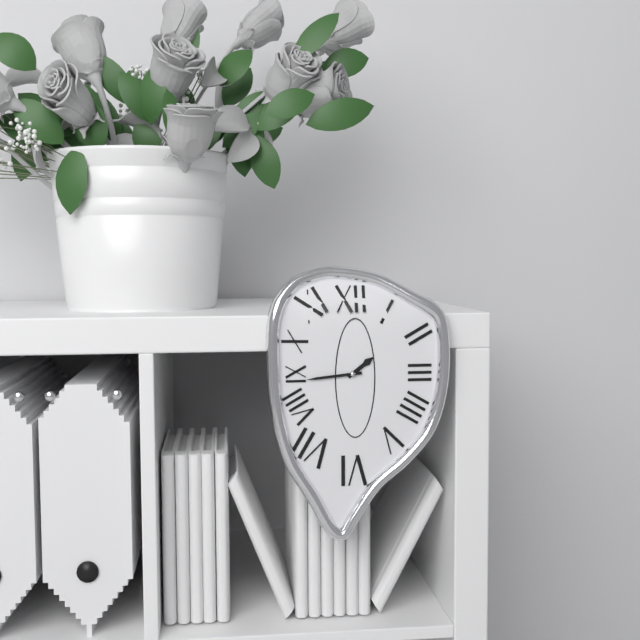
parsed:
1,44
